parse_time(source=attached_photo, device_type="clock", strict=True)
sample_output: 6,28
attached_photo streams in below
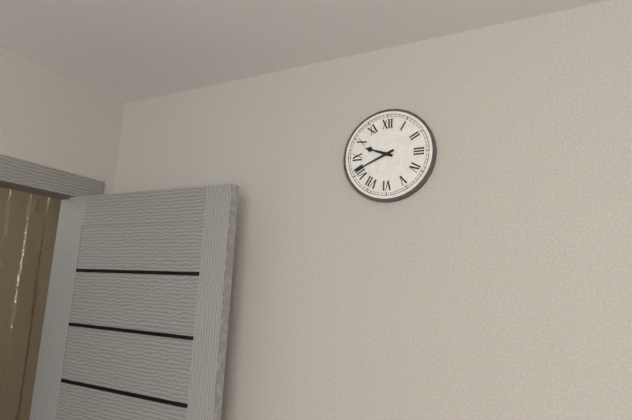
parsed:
9,41
